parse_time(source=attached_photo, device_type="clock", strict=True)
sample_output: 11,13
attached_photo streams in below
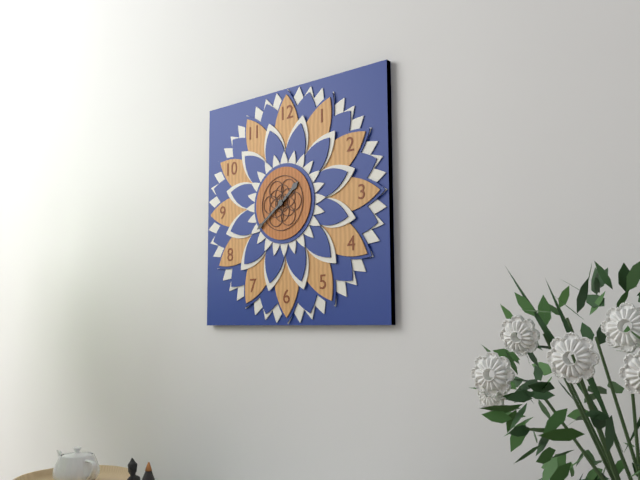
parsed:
1,39
